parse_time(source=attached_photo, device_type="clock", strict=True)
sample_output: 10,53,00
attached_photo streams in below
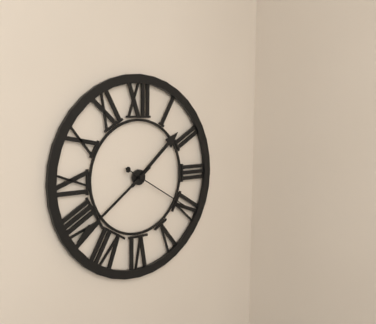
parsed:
1,39,20
